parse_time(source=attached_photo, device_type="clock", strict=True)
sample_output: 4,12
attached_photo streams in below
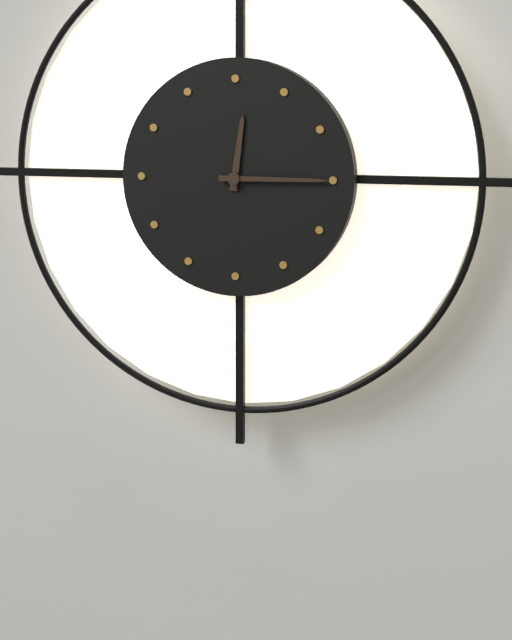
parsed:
12,15
